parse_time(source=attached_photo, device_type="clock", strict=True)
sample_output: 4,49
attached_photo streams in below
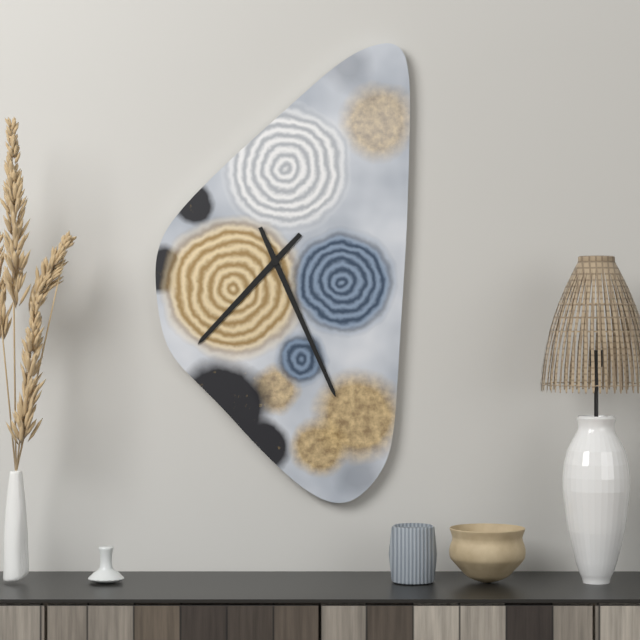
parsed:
7,26
